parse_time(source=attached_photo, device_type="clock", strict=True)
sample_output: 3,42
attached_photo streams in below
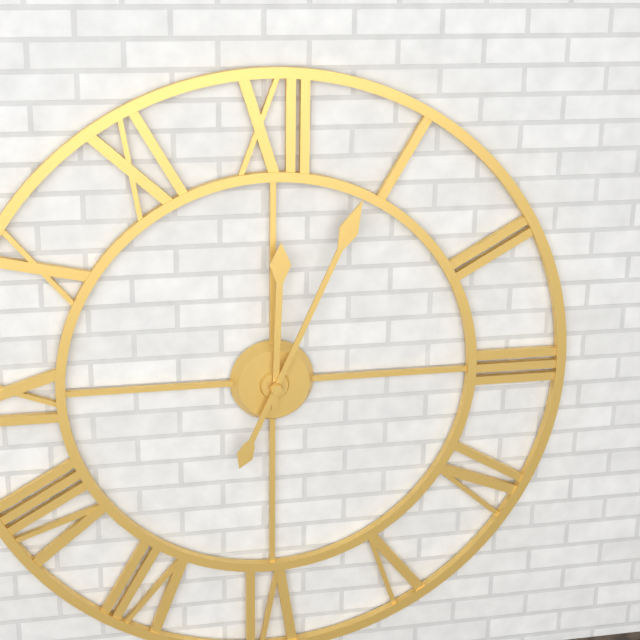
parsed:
12,04
